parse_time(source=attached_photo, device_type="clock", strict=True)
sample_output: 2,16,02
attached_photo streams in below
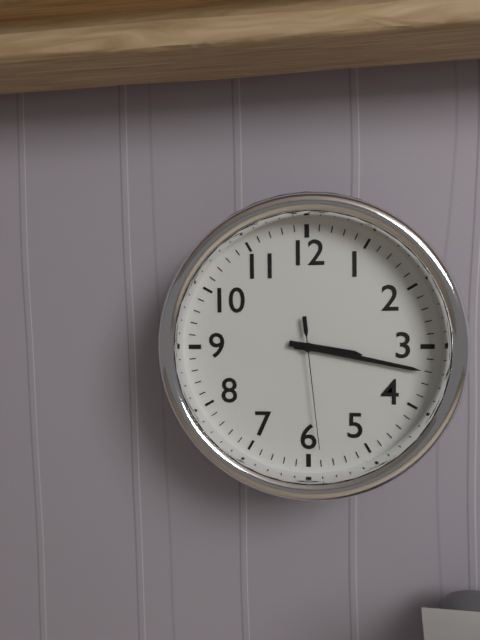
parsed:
3,17,29
